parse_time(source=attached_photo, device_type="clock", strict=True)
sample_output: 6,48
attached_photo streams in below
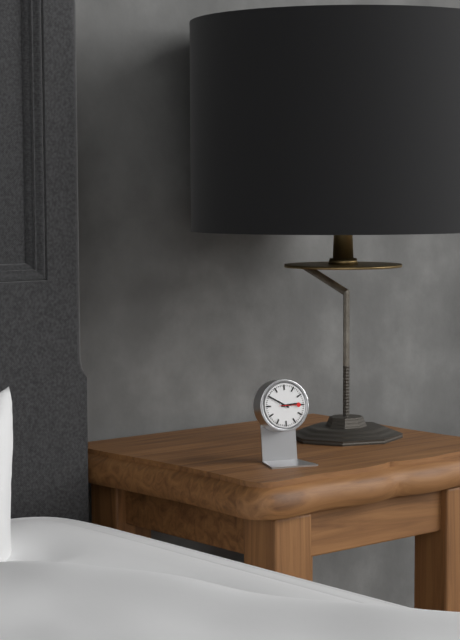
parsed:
2,50
